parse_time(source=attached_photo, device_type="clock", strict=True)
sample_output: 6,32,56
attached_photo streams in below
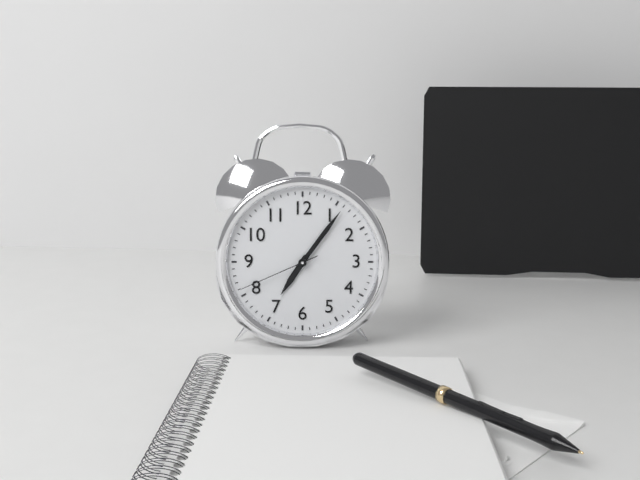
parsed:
7,06,41
